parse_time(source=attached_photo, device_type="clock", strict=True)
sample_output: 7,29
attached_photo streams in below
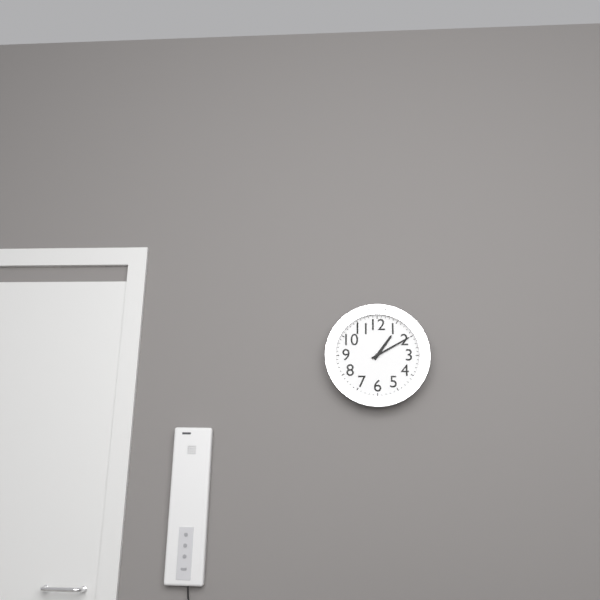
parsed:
1,10
